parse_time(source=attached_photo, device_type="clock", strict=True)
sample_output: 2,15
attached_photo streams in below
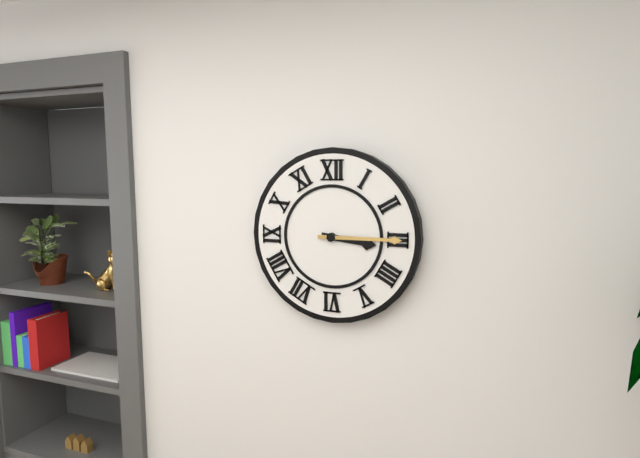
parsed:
3,15
